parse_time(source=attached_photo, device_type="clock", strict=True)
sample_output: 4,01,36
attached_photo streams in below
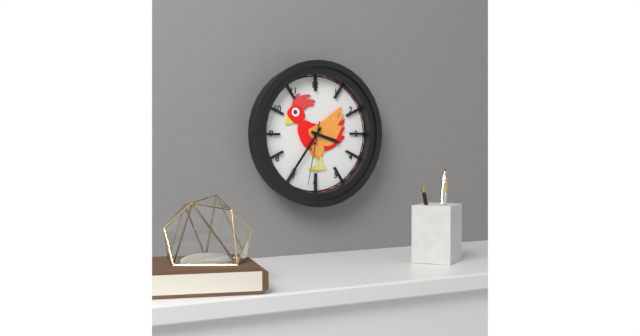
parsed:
3,36,32
